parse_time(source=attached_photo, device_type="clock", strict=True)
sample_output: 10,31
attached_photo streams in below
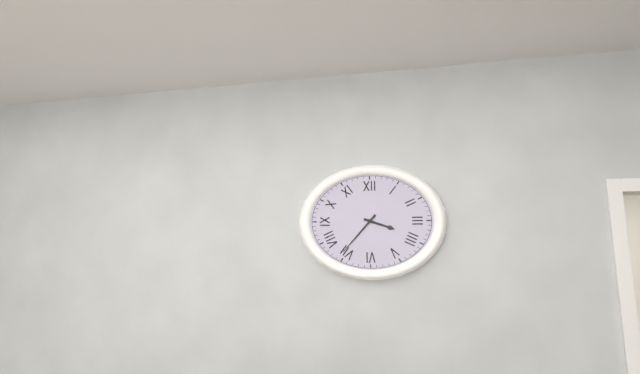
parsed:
3,37
